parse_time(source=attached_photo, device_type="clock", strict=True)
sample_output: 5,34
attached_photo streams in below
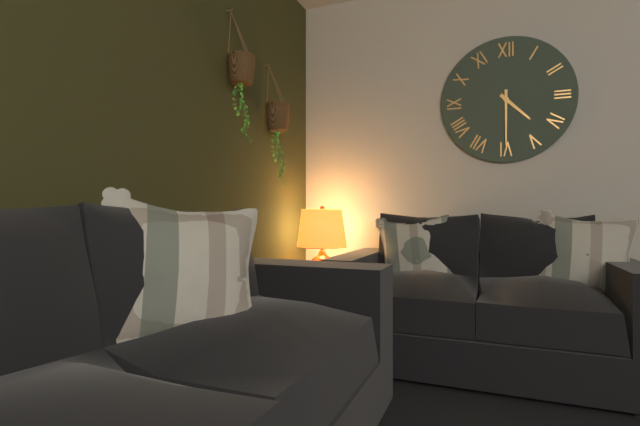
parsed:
4,30
